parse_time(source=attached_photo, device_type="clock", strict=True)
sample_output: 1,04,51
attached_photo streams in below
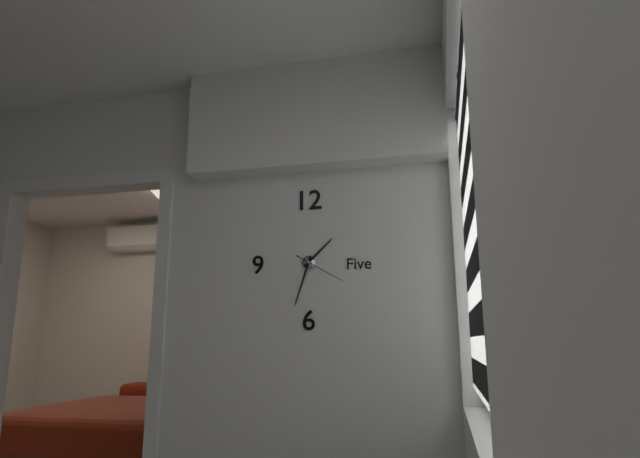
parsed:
1,33,20
